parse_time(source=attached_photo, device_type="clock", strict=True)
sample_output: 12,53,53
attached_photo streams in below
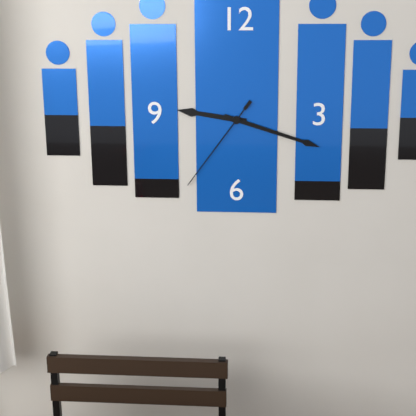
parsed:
9,18,36
